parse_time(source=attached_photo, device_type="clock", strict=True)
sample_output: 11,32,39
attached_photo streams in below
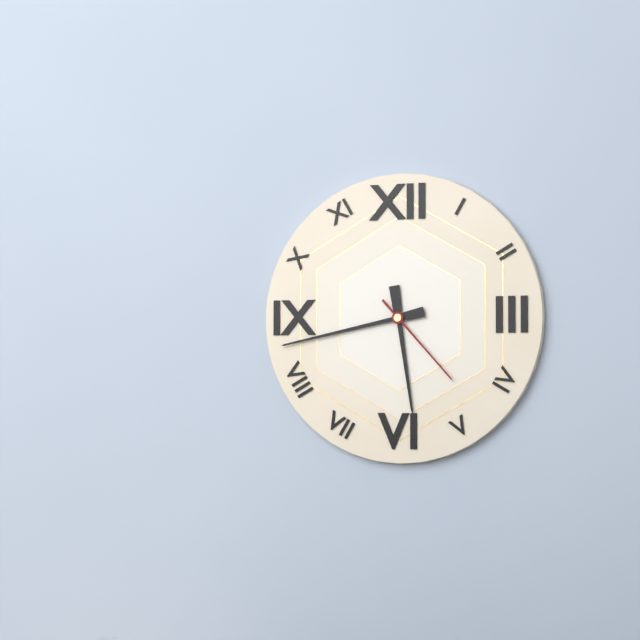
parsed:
5,43,23
